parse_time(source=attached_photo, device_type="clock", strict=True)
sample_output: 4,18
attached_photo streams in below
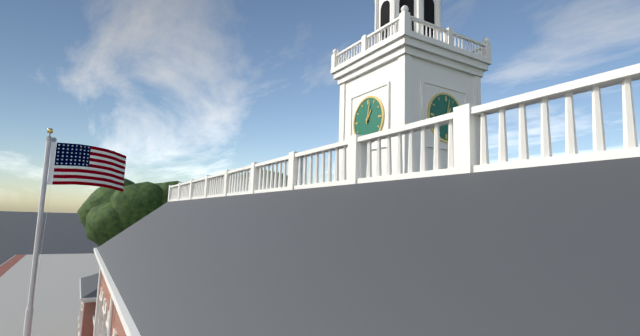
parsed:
1,02
